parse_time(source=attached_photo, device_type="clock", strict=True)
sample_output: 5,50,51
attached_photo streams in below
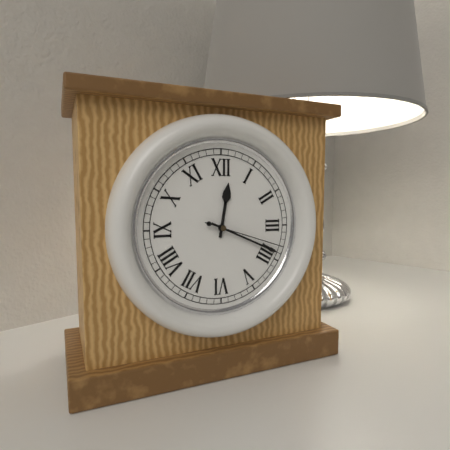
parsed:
12,19,18
